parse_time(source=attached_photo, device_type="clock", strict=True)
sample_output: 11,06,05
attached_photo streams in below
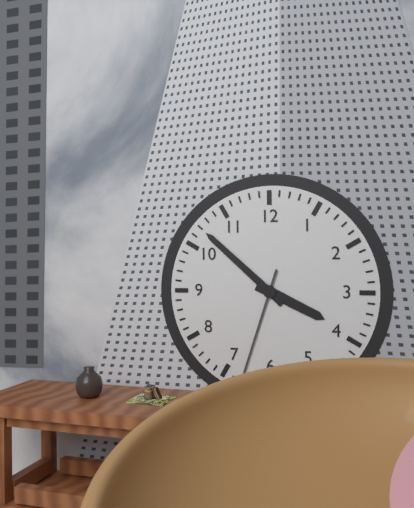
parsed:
3,52,33
